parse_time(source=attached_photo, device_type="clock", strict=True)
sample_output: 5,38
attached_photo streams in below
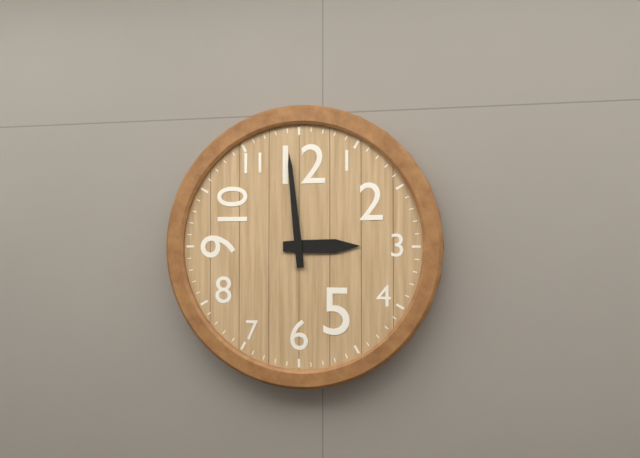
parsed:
2,59
